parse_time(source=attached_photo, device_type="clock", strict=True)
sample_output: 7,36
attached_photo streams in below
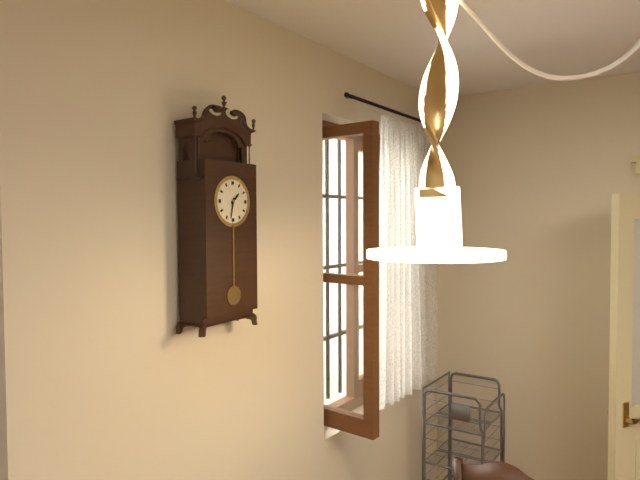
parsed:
1,32
